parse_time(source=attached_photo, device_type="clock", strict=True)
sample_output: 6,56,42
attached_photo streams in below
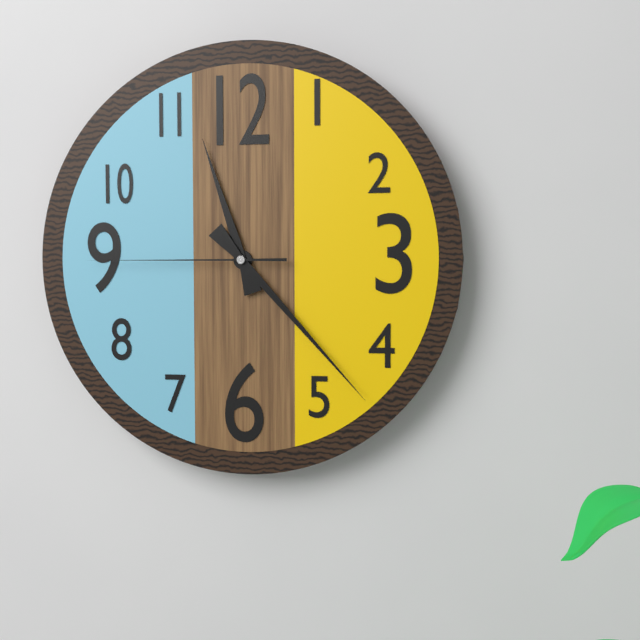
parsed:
11,23,45
